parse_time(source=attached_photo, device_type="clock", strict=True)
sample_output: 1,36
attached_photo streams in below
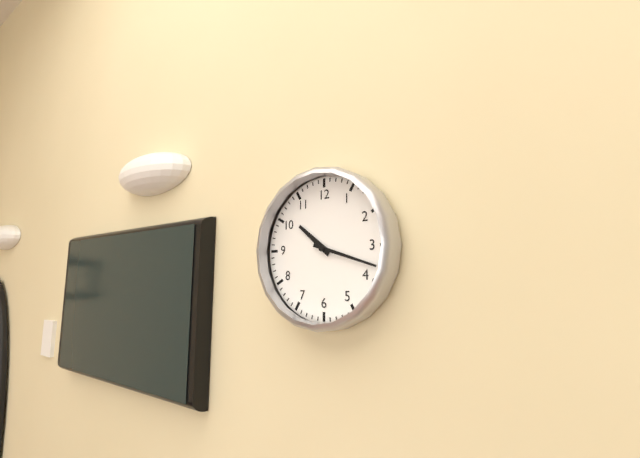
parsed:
10,18
